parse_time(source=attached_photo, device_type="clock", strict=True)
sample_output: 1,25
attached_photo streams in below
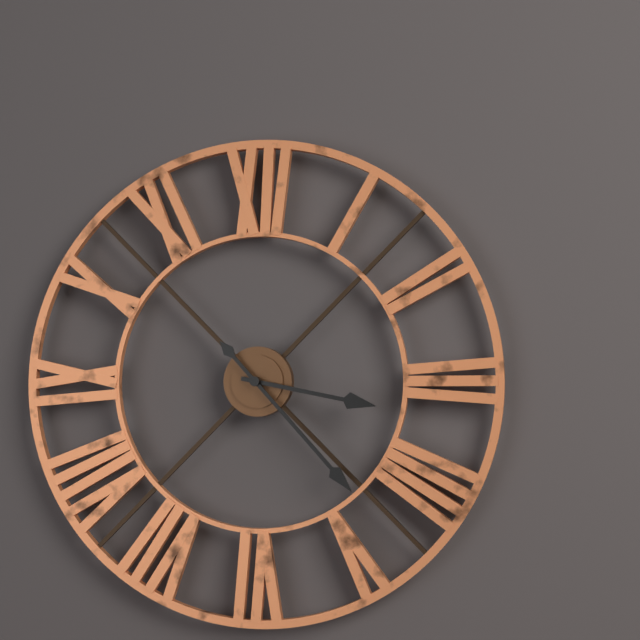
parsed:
3,23
